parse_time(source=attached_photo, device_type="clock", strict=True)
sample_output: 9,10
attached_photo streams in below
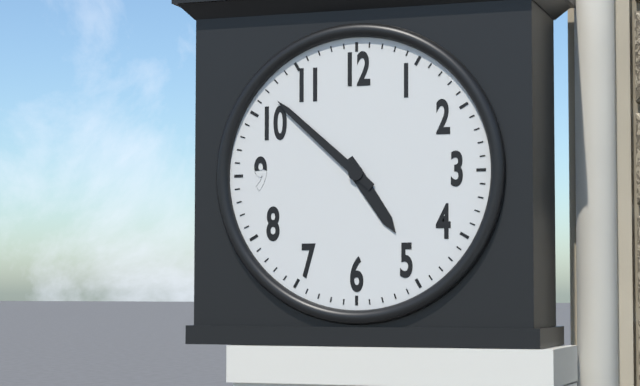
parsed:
4,52
